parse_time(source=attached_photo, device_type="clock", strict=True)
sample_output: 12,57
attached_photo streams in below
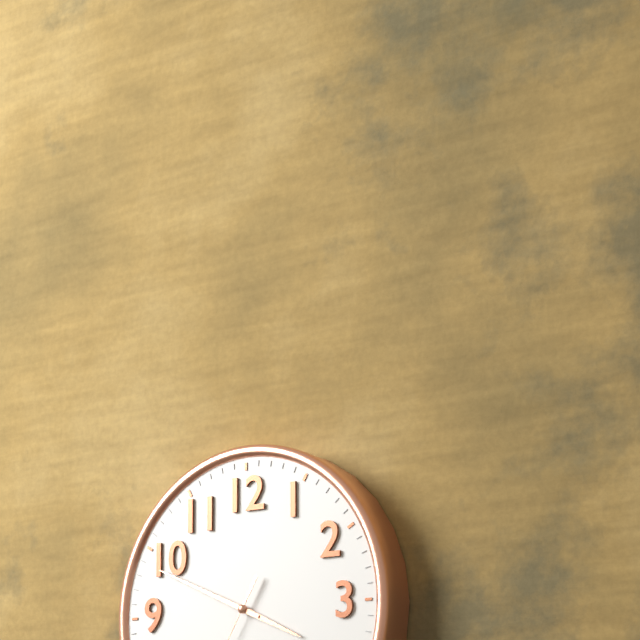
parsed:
3,49
